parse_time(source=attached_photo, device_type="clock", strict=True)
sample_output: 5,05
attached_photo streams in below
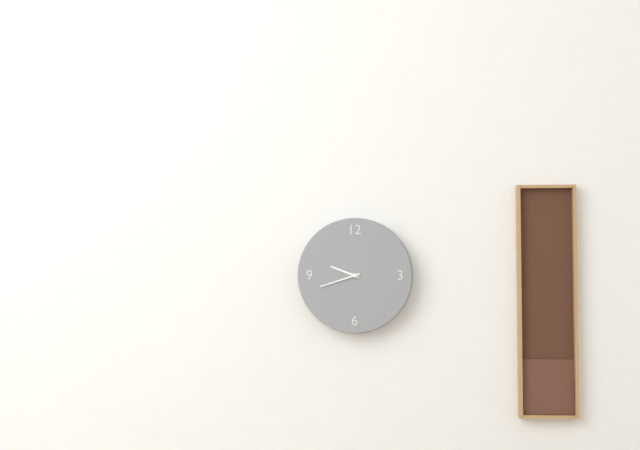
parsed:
9,42
